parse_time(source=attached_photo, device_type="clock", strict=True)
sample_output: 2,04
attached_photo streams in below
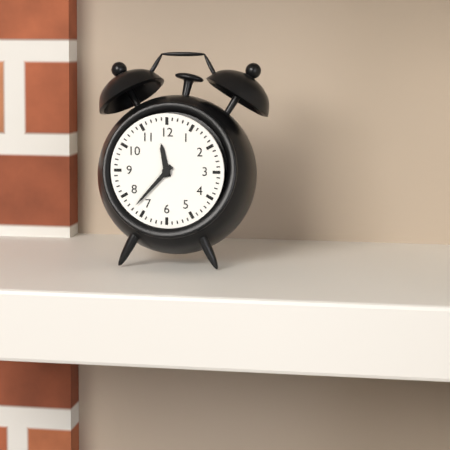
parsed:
11,37
